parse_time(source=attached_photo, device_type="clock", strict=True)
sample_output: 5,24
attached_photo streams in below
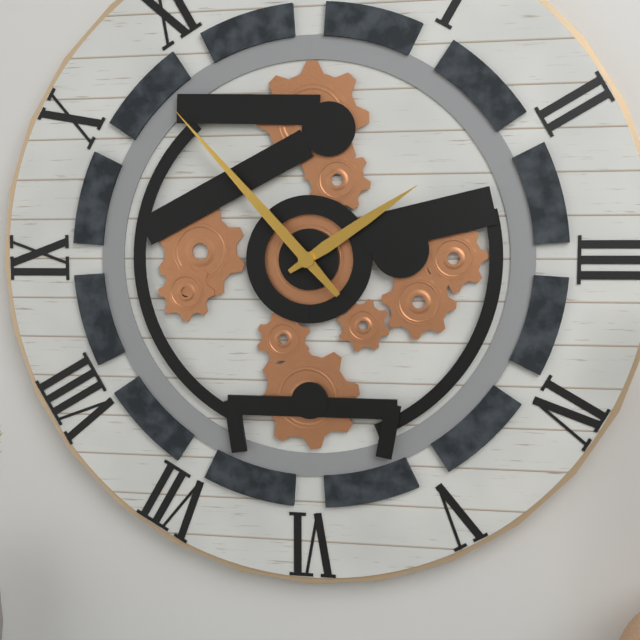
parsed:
1,53
